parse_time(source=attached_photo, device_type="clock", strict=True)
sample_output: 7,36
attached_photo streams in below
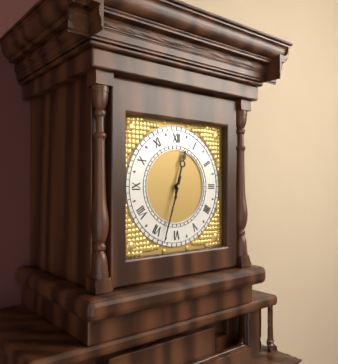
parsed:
12,33
